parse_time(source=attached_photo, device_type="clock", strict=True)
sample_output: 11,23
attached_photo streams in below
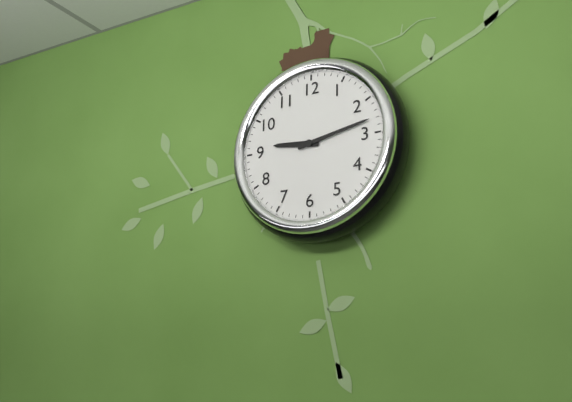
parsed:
9,13
